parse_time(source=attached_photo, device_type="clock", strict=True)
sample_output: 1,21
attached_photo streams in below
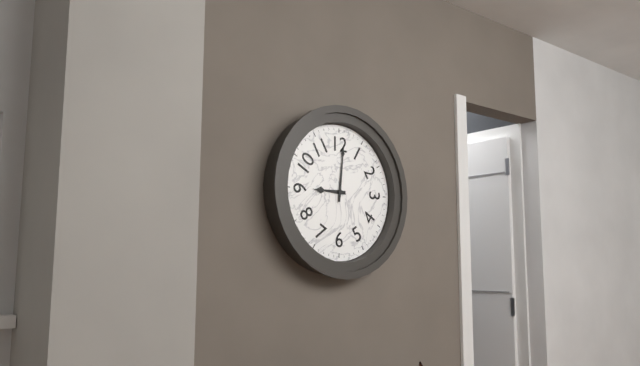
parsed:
9,01
